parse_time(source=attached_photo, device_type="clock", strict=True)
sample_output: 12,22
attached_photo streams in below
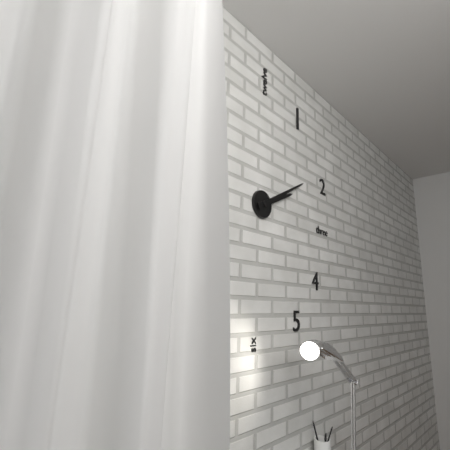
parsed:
2,10
